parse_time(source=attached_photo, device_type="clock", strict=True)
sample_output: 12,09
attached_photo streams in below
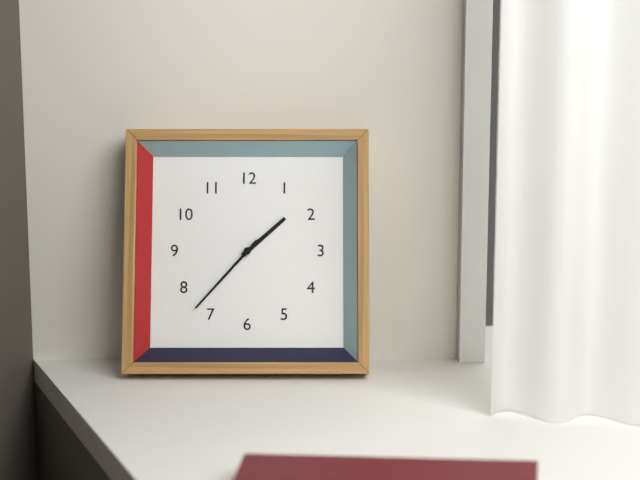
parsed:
1,37
